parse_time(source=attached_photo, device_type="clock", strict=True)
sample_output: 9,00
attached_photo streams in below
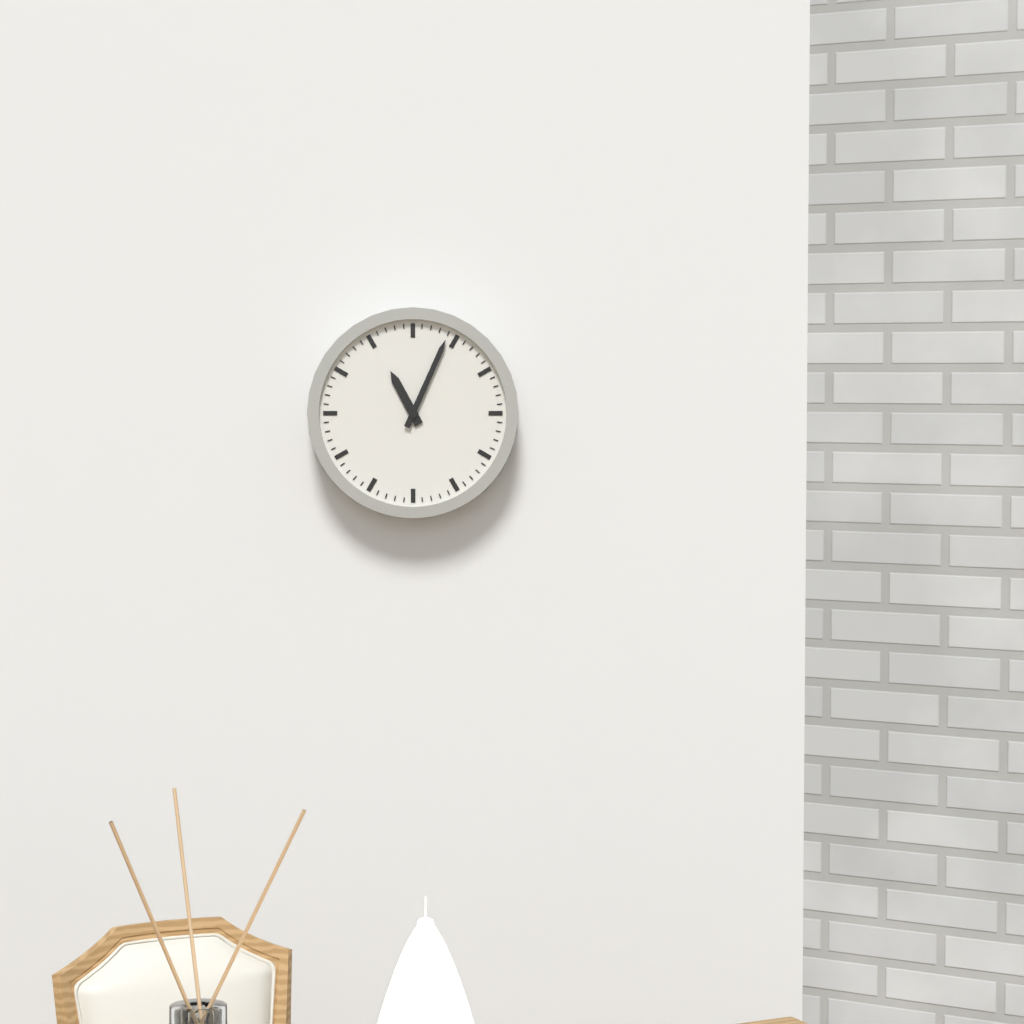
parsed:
11,04
